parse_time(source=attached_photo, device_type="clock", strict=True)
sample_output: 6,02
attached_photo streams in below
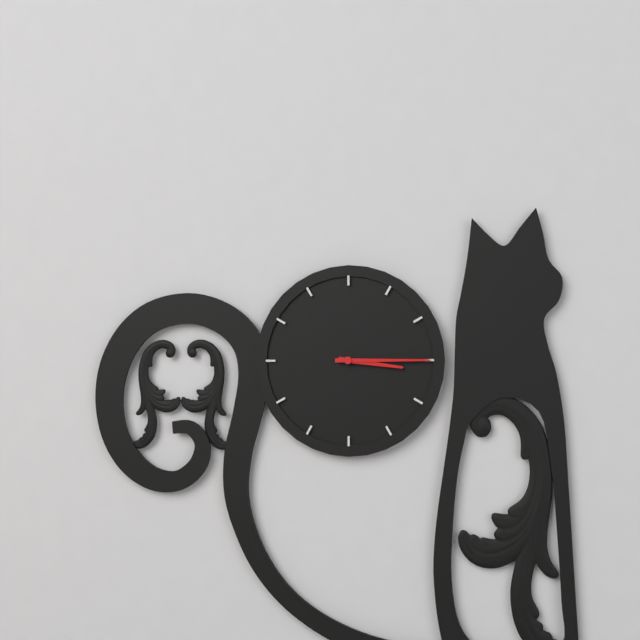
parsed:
3,15
